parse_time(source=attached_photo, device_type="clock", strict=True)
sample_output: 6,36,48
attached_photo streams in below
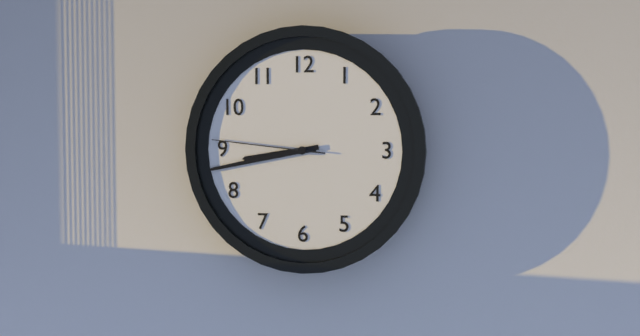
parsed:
8,43,46
